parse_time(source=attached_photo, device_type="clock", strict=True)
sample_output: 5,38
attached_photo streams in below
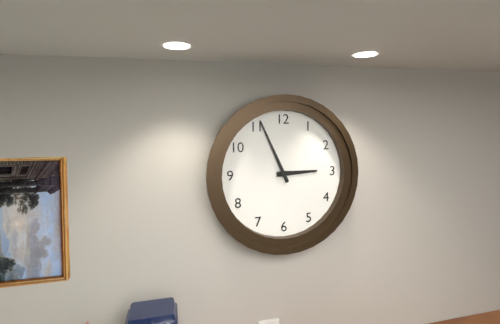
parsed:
2,56
